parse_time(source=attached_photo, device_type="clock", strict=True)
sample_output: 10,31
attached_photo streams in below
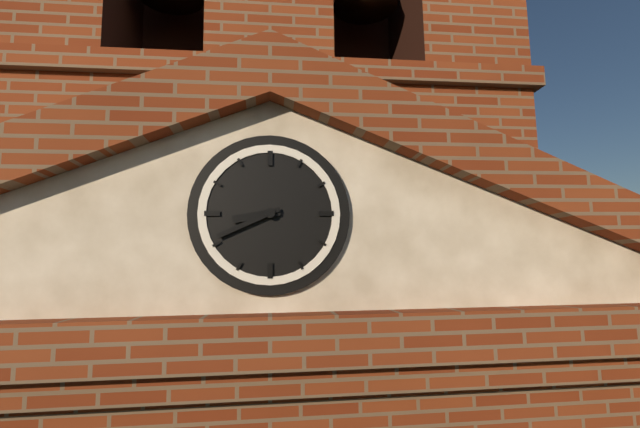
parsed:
8,41
